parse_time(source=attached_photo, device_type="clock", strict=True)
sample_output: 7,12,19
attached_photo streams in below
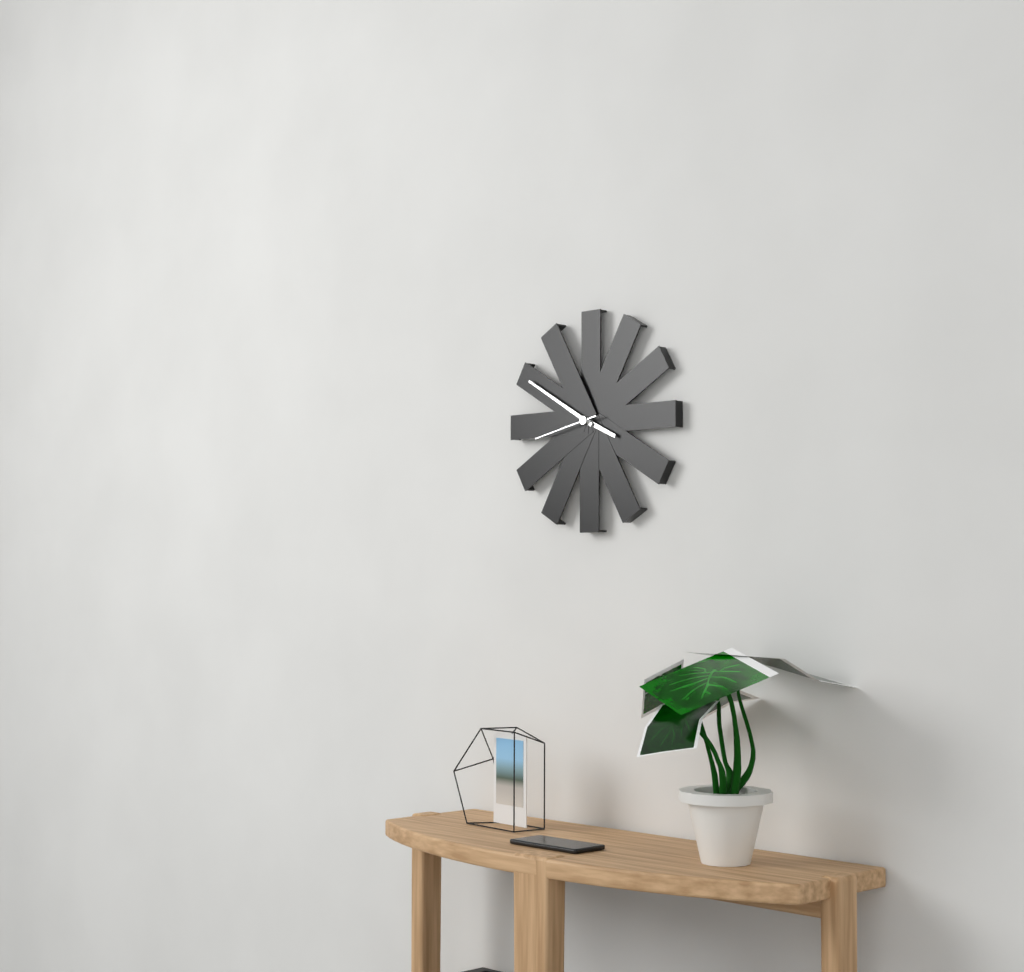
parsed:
3,50,43
